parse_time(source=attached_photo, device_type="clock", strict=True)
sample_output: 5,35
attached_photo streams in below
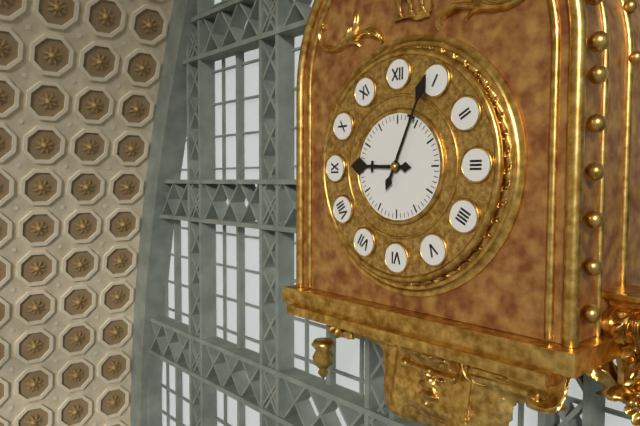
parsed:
9,04
